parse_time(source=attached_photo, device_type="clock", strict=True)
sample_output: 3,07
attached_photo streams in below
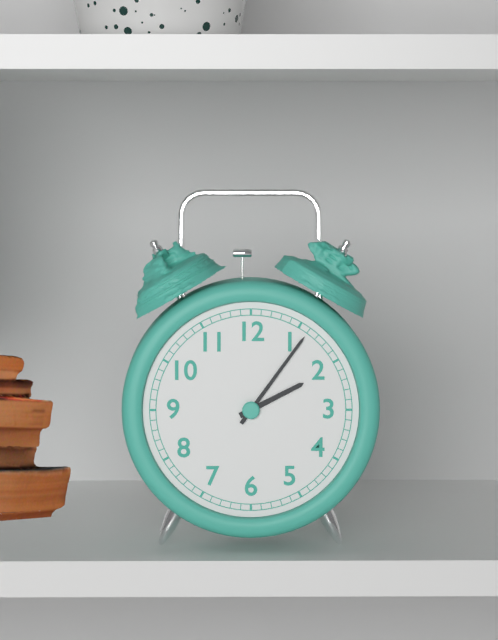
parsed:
2,06
